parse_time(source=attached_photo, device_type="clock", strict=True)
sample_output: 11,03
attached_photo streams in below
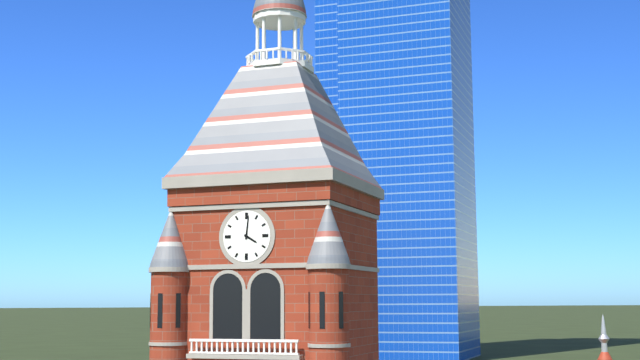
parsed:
4,01
